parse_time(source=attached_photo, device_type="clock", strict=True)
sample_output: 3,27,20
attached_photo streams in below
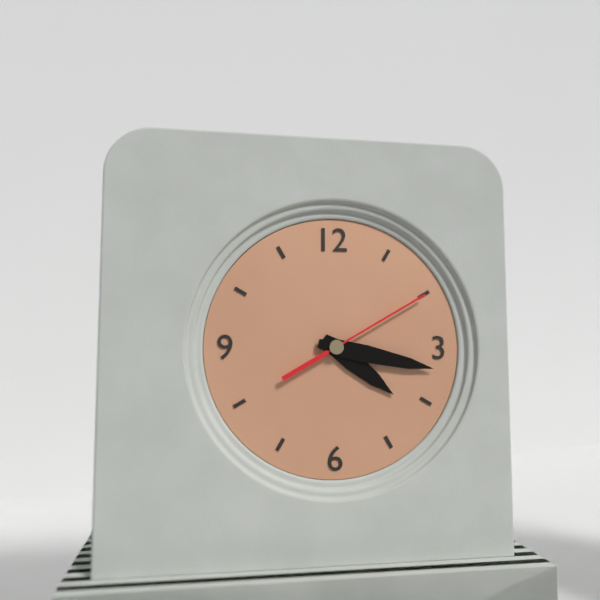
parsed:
4,17,10
